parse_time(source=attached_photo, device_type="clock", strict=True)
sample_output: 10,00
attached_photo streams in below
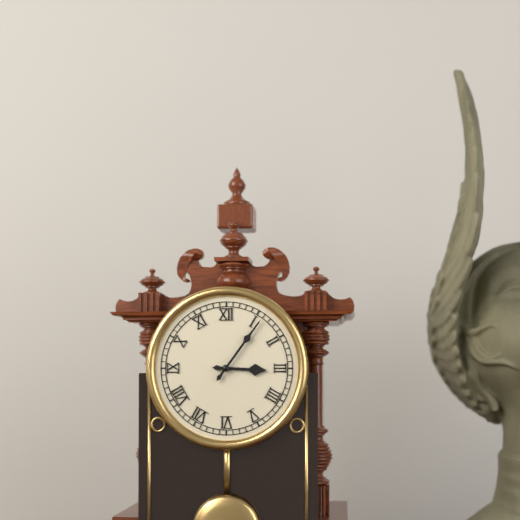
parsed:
3,06
